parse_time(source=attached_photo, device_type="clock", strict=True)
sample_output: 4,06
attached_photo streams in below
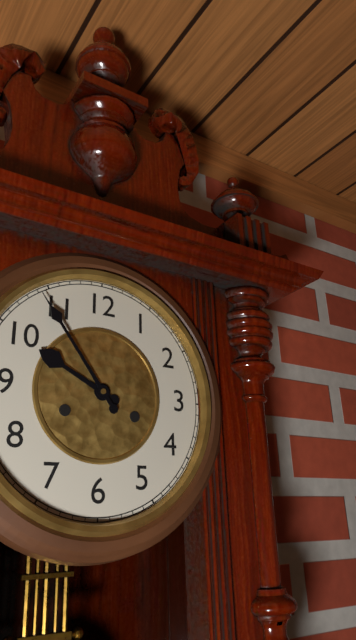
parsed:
9,54
